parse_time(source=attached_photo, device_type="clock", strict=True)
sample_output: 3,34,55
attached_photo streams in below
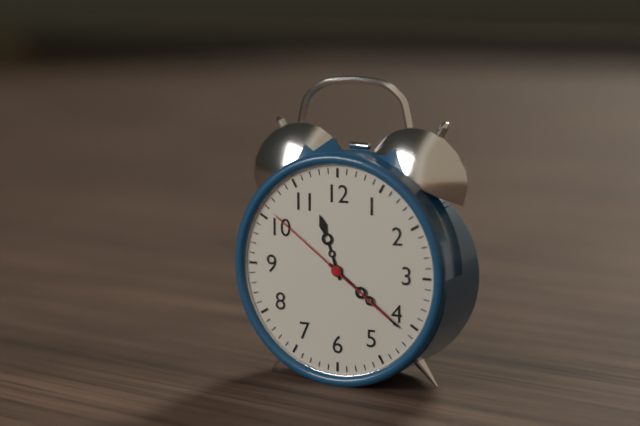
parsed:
11,21,51
